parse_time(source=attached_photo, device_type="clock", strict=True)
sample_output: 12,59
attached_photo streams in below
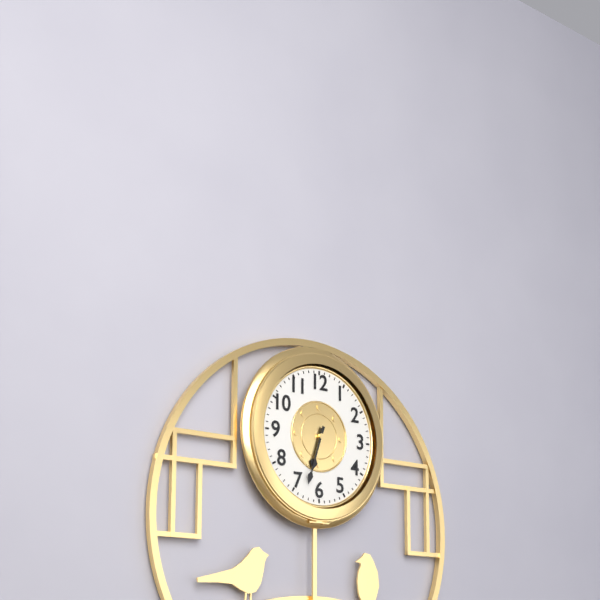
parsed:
6,33
